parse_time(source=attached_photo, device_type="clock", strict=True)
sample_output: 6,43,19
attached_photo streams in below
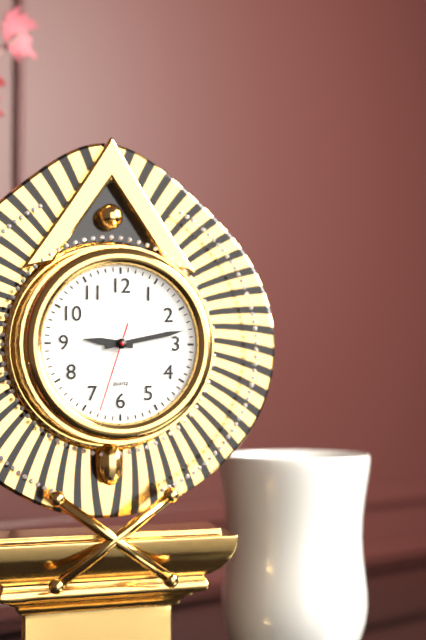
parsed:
9,13,33
